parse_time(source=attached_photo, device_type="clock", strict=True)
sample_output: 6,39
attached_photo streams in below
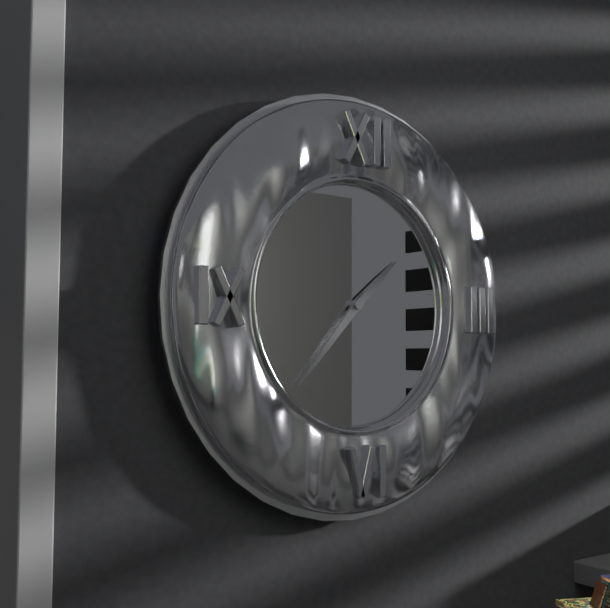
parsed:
1,37
